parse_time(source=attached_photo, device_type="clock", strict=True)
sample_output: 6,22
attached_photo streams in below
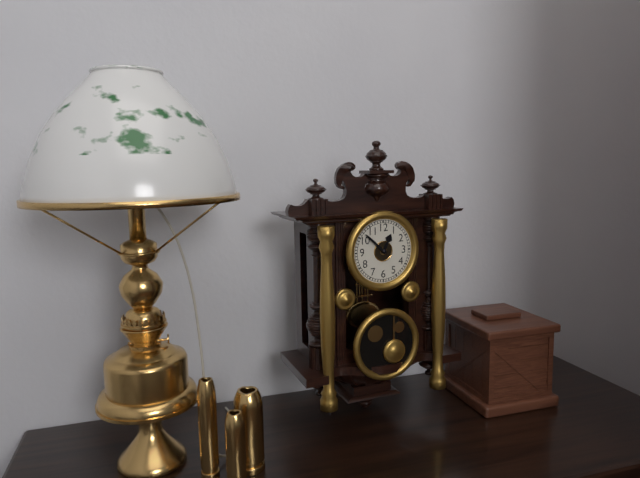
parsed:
12,52
